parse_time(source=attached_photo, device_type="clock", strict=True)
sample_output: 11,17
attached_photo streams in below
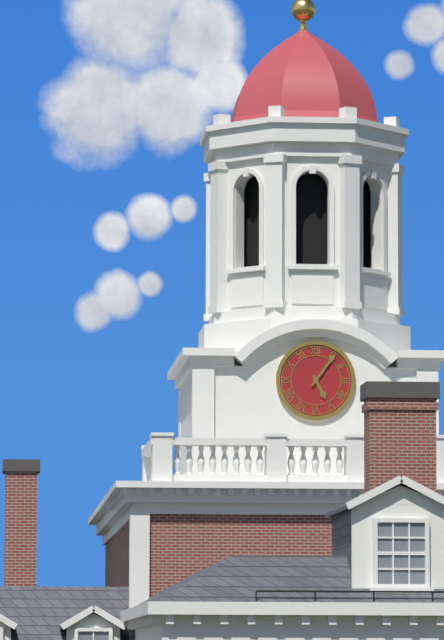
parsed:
5,06
